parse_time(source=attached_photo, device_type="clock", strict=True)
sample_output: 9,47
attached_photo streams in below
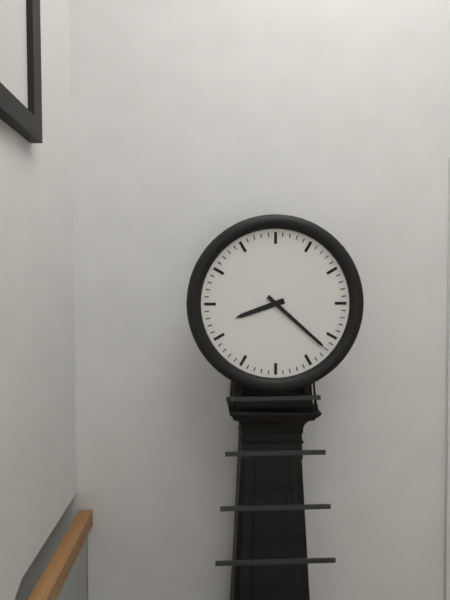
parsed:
8,22
